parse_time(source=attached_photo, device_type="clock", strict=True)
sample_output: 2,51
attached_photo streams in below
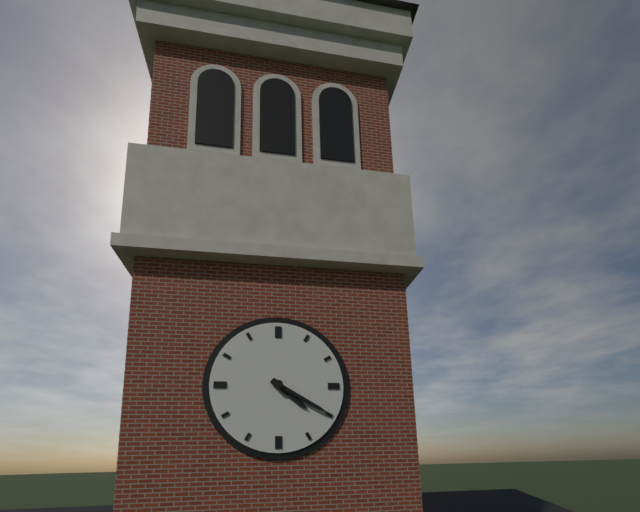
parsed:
4,20
